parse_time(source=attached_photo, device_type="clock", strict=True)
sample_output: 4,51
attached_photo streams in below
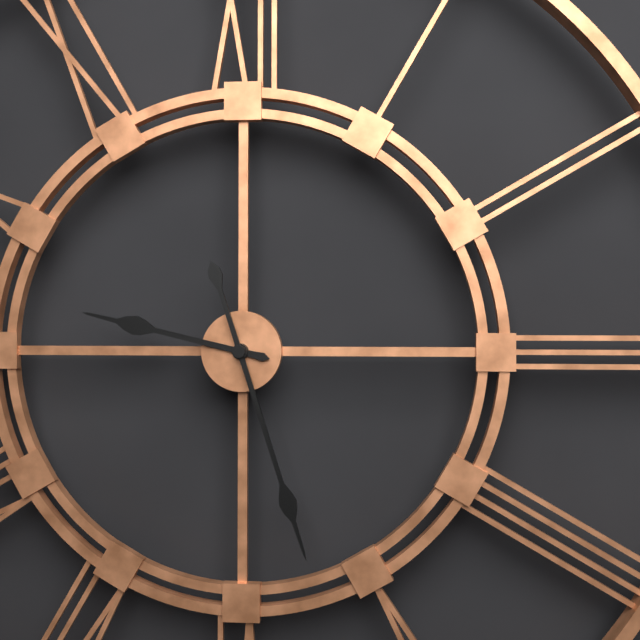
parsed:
9,27
